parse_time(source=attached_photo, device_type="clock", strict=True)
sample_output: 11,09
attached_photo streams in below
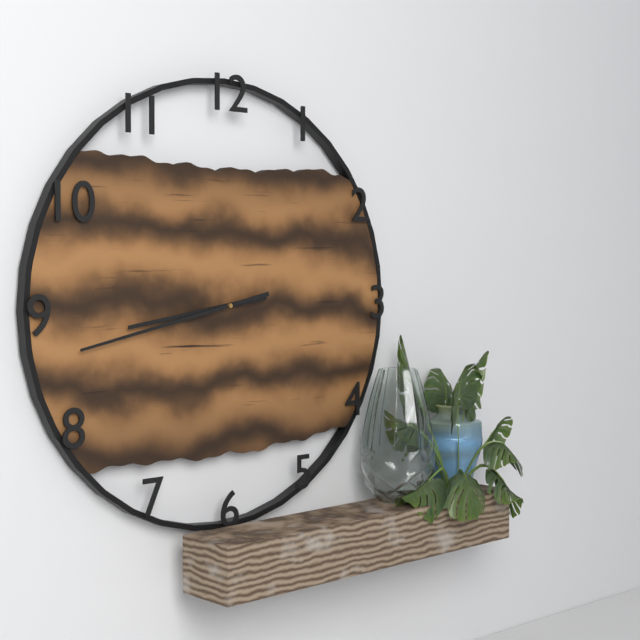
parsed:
8,43
